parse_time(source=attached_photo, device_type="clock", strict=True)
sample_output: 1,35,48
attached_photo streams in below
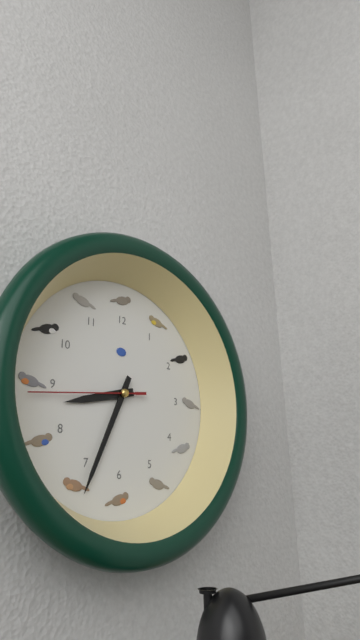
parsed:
8,34,44
